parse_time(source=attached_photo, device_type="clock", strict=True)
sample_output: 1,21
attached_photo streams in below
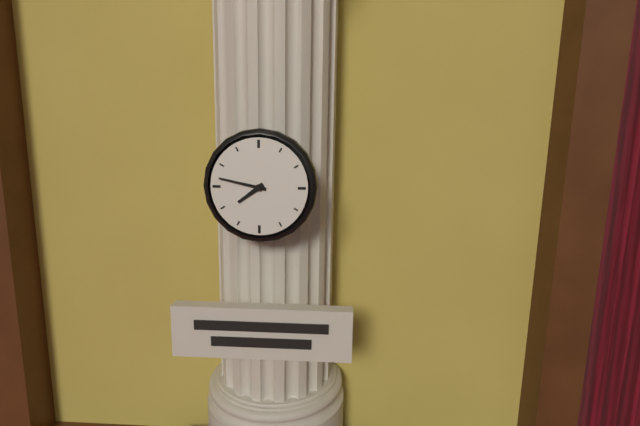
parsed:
7,47
